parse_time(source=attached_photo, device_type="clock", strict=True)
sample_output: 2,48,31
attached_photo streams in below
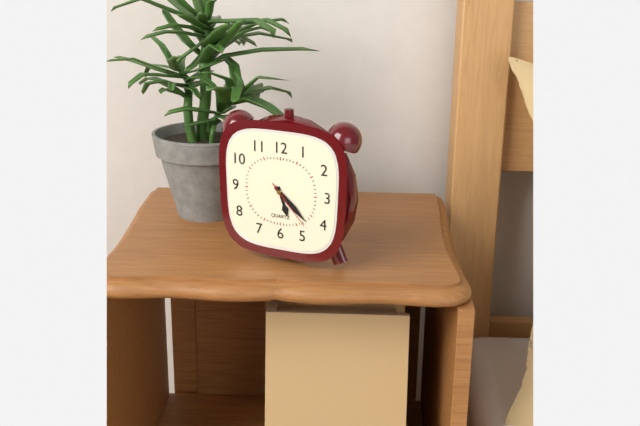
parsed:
5,22,23
